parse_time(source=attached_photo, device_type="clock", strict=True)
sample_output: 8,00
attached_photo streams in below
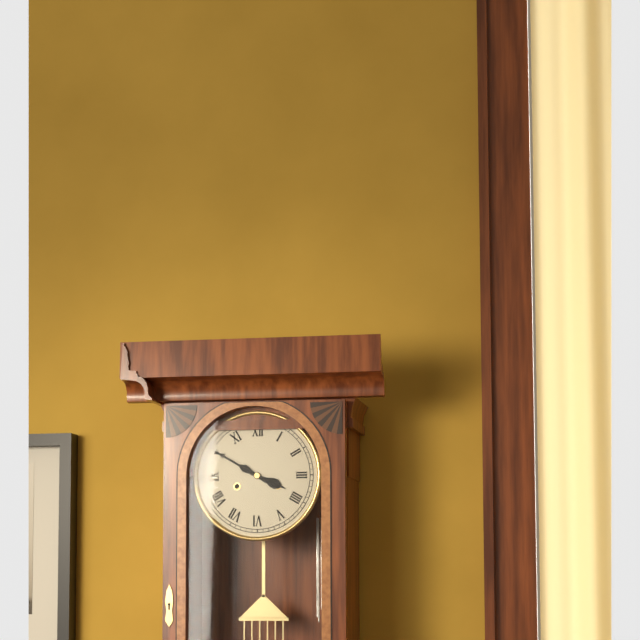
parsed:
3,50
